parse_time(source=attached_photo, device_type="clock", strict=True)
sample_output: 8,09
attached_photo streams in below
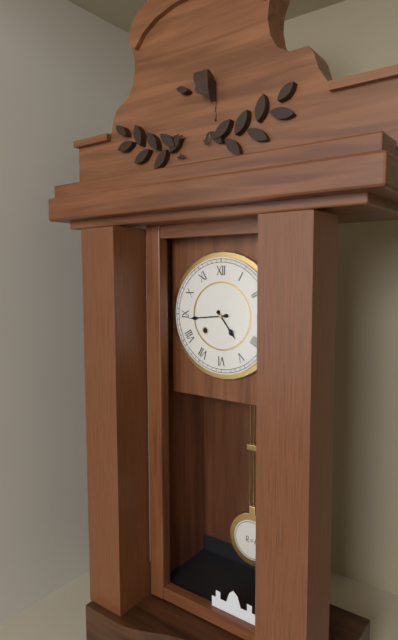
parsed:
4,44
